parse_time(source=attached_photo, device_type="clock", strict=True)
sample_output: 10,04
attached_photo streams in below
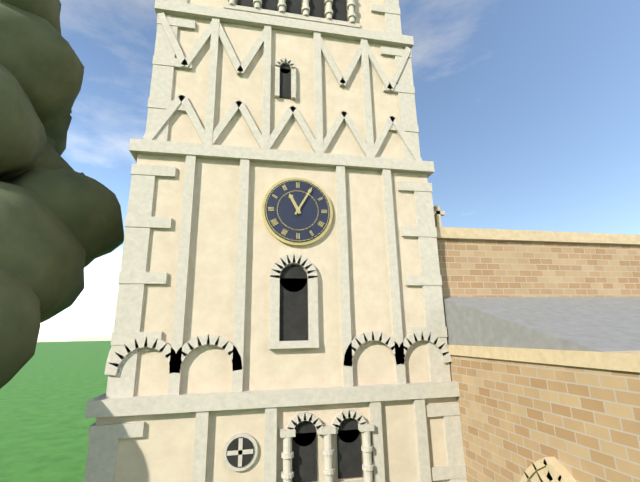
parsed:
11,05
